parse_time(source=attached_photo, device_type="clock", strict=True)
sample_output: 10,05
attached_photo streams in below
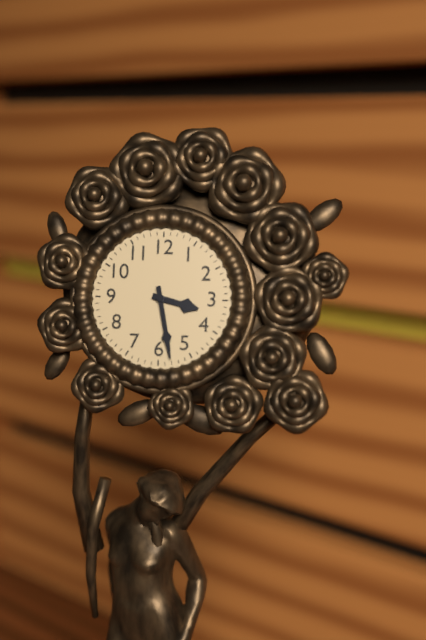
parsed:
3,28
